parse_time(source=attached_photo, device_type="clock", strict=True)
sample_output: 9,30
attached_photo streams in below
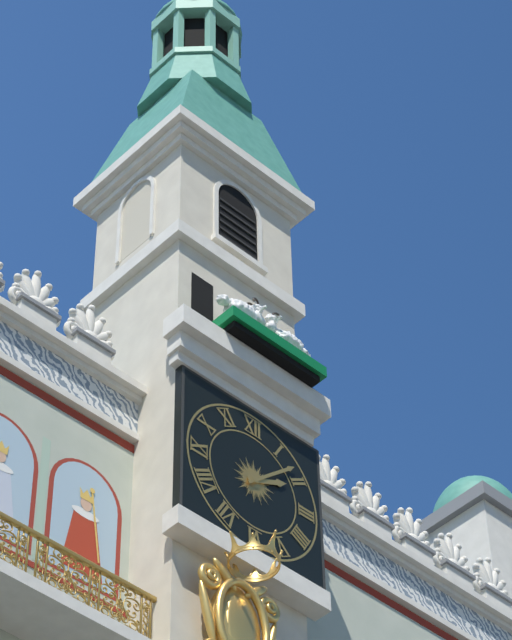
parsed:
2,08
